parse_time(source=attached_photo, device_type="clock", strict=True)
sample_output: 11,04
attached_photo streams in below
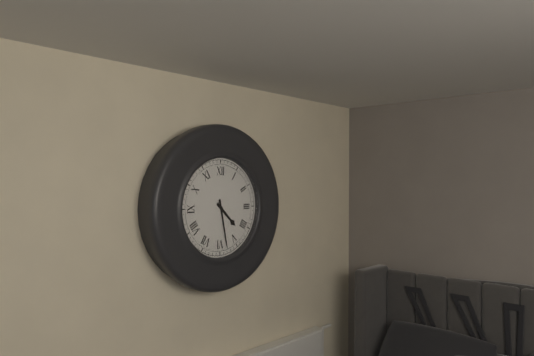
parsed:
4,28
